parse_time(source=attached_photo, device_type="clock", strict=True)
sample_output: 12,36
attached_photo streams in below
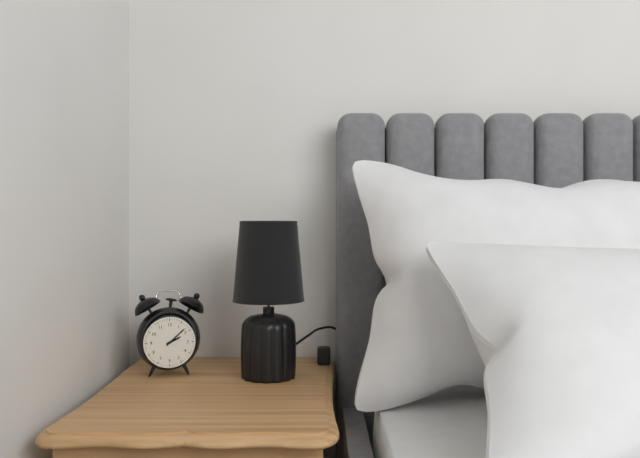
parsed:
2,08
